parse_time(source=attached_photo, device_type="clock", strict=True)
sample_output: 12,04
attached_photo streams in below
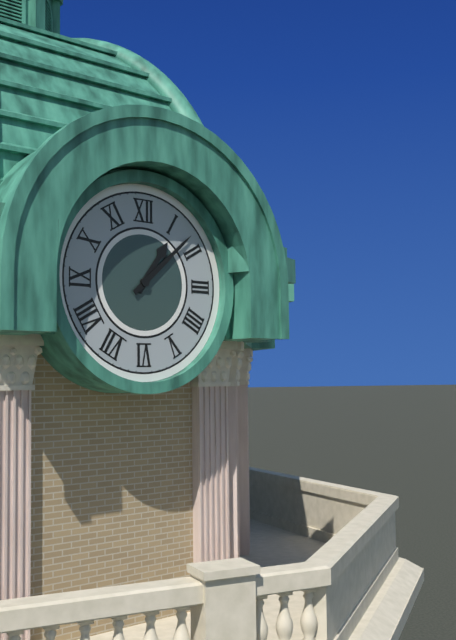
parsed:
1,08
